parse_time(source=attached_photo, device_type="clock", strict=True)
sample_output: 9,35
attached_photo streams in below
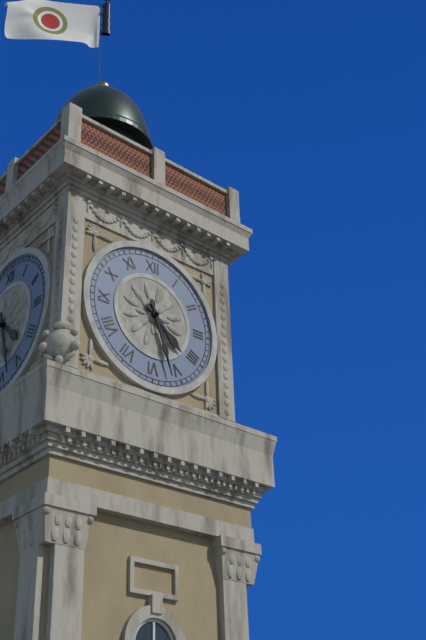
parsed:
4,27
